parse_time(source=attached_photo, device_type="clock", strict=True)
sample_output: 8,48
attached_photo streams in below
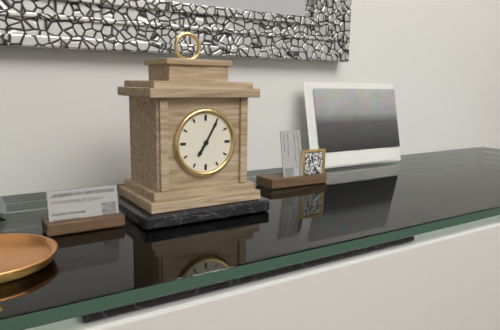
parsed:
7,05
